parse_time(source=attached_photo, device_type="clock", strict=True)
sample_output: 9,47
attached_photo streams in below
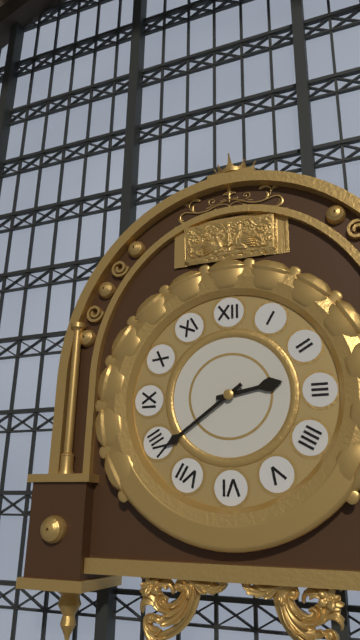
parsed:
2,39
